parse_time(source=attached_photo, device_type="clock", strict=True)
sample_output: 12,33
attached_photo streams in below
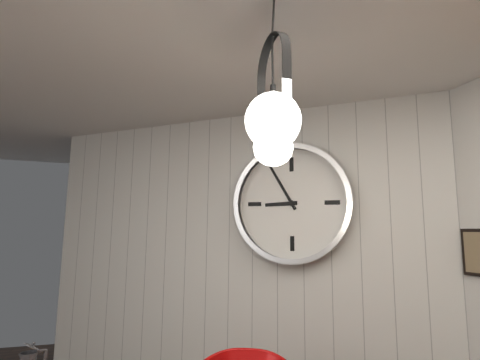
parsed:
8,55
